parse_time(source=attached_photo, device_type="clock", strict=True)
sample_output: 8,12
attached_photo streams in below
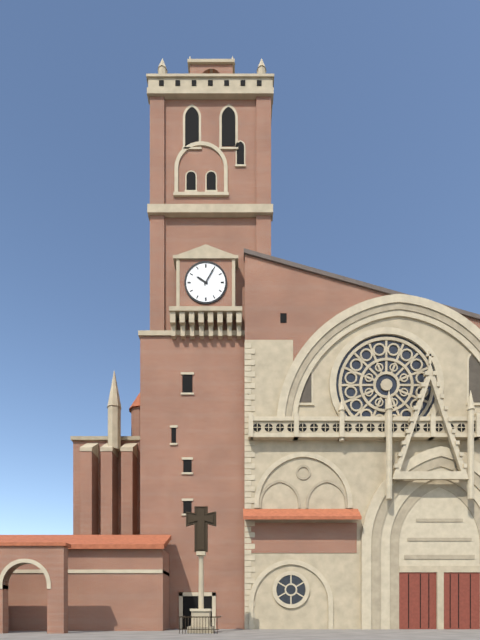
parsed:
10,05
